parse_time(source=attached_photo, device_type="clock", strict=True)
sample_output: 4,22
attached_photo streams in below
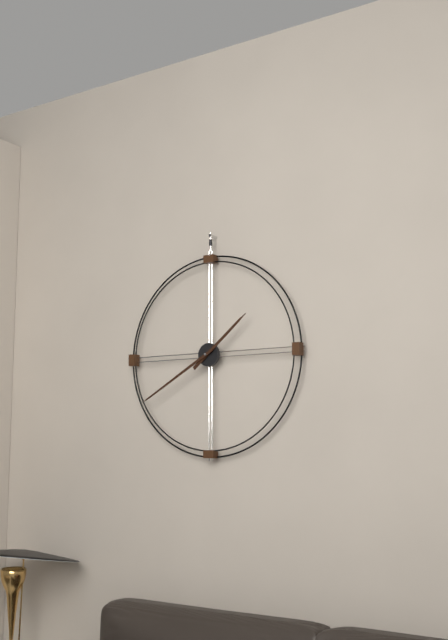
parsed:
1,40
